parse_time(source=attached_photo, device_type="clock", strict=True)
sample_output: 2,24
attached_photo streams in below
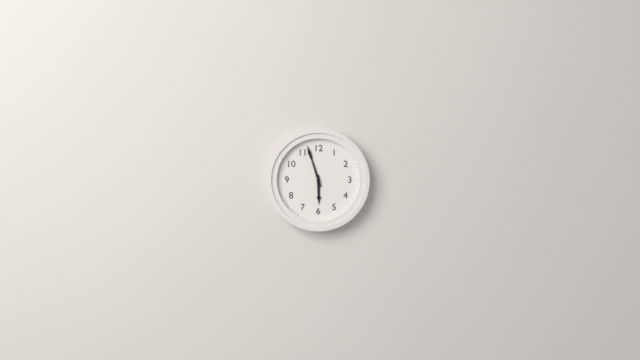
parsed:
5,57
